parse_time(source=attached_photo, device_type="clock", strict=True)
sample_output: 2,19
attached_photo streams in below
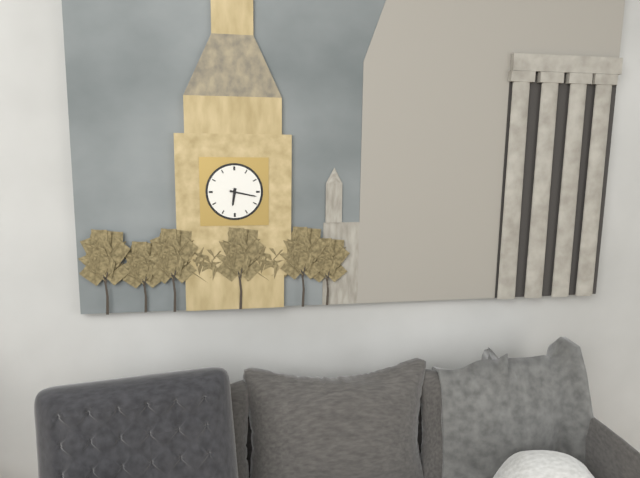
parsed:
6,17
